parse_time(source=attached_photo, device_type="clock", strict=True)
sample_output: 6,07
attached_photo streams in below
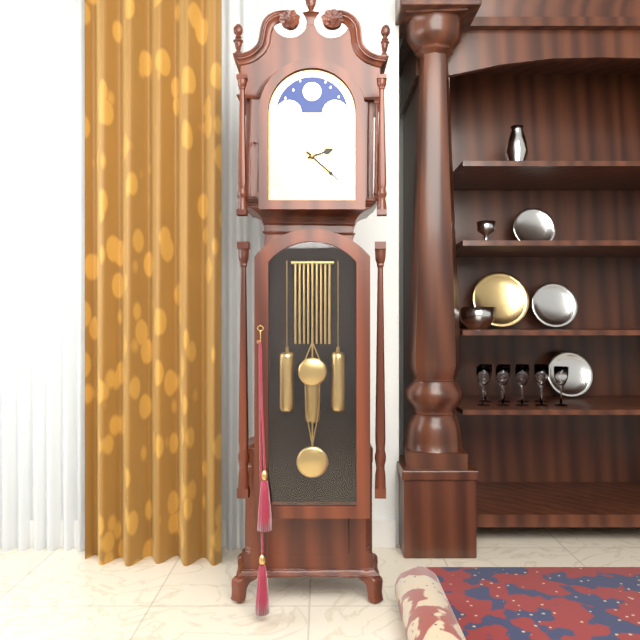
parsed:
2,22
